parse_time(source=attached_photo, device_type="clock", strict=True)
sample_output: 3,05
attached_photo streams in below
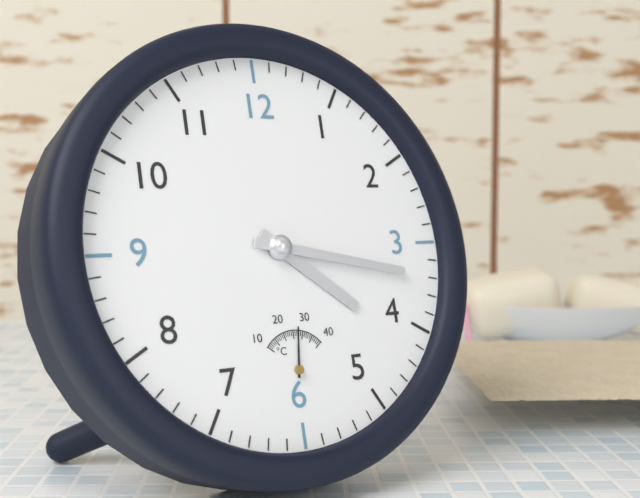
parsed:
4,17
